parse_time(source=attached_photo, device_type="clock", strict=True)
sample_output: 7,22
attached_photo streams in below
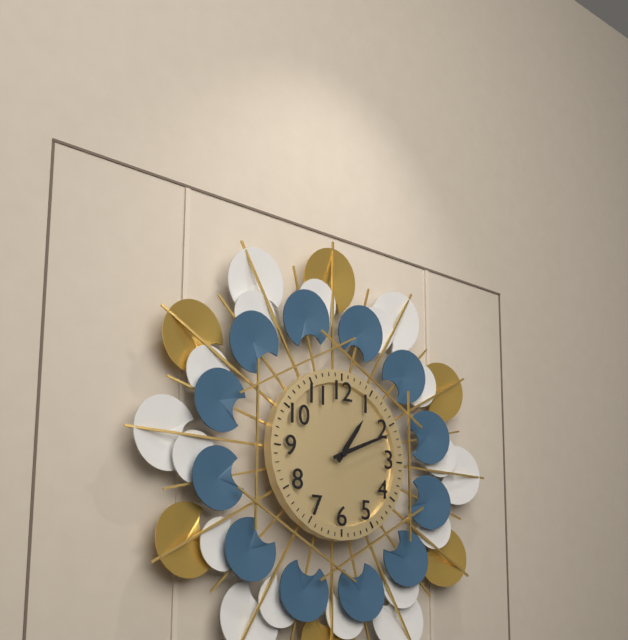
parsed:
1,11
